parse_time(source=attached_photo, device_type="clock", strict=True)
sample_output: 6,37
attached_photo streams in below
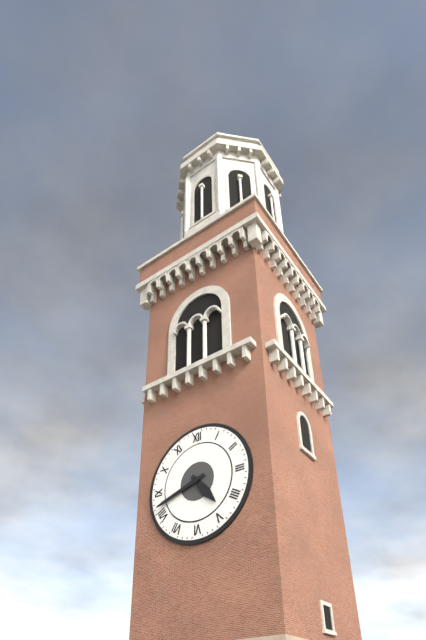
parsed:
4,42
